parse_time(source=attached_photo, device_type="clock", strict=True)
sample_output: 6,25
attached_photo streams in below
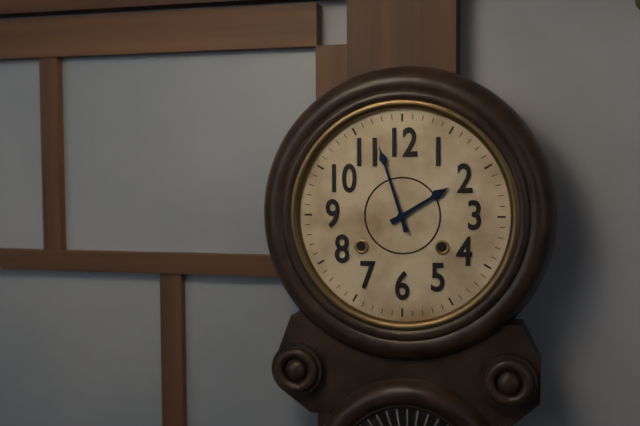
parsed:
1,57
